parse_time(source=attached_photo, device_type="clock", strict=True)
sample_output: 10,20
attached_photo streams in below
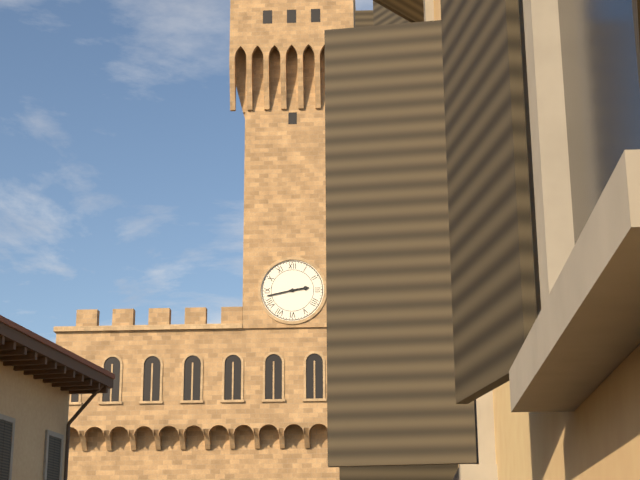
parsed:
2,43
